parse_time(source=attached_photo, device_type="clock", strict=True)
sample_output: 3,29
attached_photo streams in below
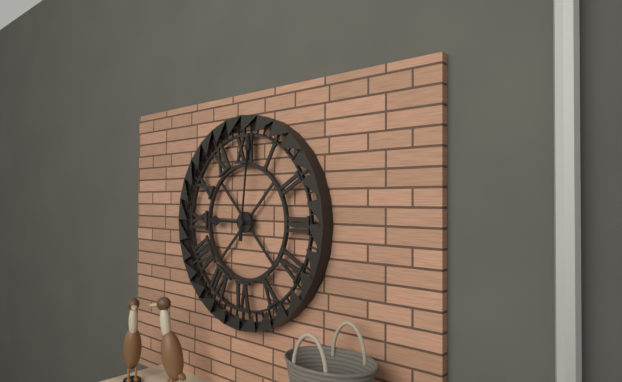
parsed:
9,01
